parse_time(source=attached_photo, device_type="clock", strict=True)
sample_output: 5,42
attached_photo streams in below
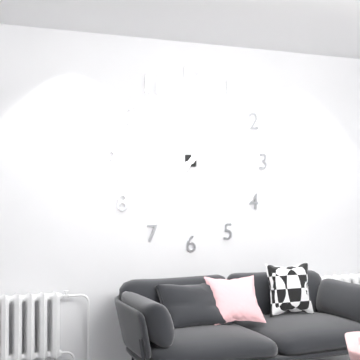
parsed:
7,10
